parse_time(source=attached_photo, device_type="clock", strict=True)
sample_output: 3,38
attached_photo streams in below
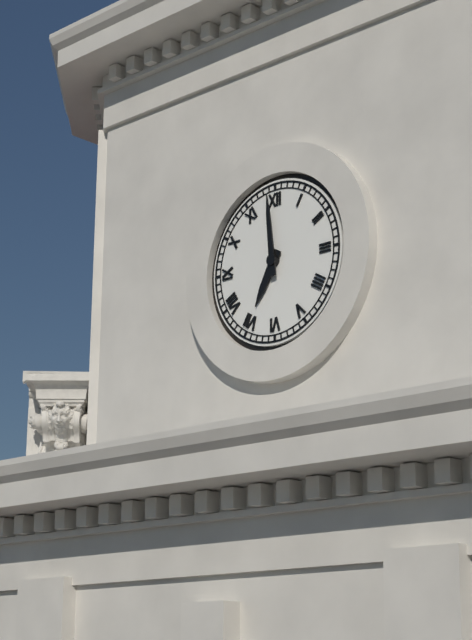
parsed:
6,59
